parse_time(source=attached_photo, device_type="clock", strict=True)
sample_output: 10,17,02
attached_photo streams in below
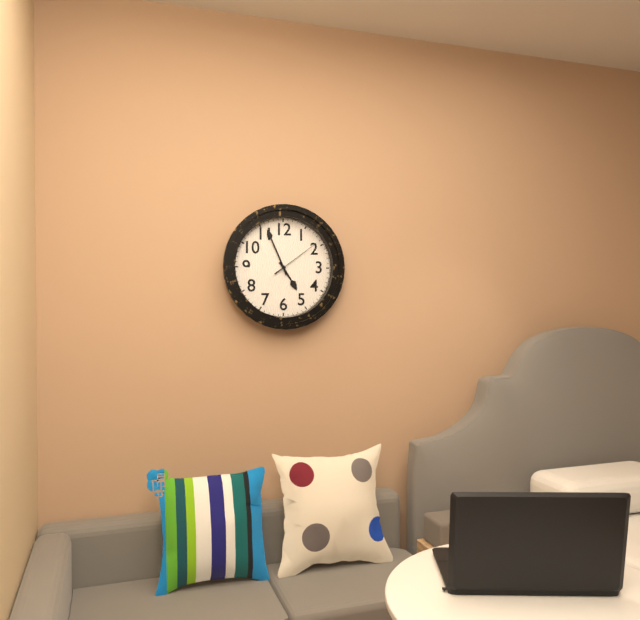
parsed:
4,56,09
